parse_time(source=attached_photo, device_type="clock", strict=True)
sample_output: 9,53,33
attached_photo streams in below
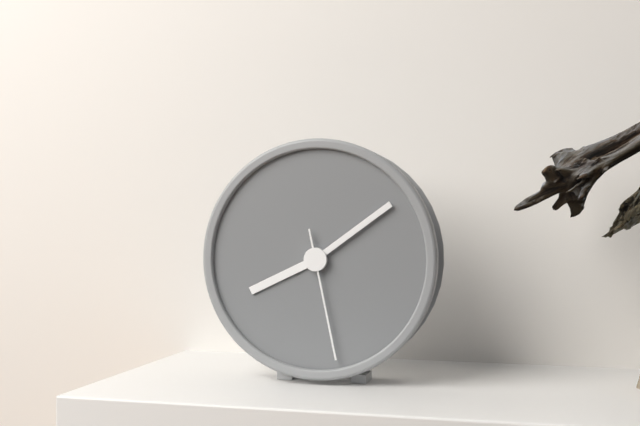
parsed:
8,09,28
